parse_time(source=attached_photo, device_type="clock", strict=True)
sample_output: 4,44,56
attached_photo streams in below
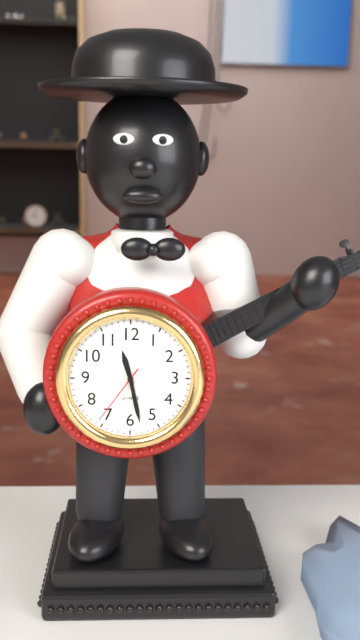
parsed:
11,28,36
